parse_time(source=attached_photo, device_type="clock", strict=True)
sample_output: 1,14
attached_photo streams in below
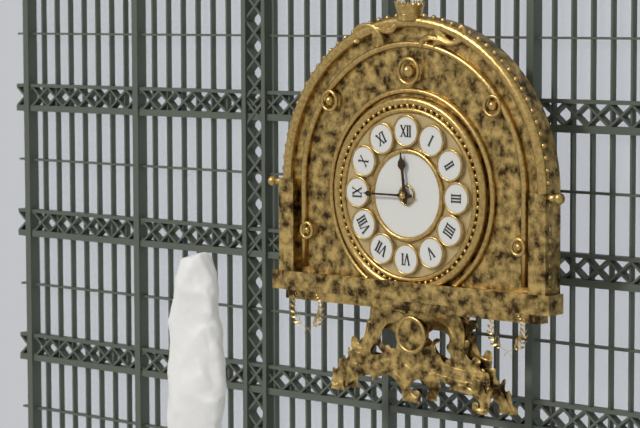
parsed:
11,45
